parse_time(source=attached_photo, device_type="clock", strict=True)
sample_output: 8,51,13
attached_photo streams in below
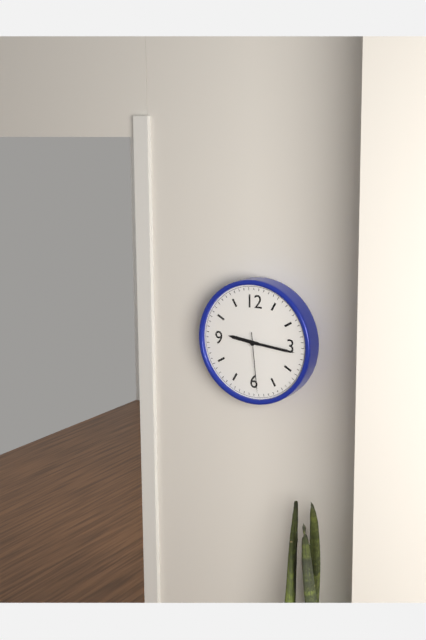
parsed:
9,16,29
